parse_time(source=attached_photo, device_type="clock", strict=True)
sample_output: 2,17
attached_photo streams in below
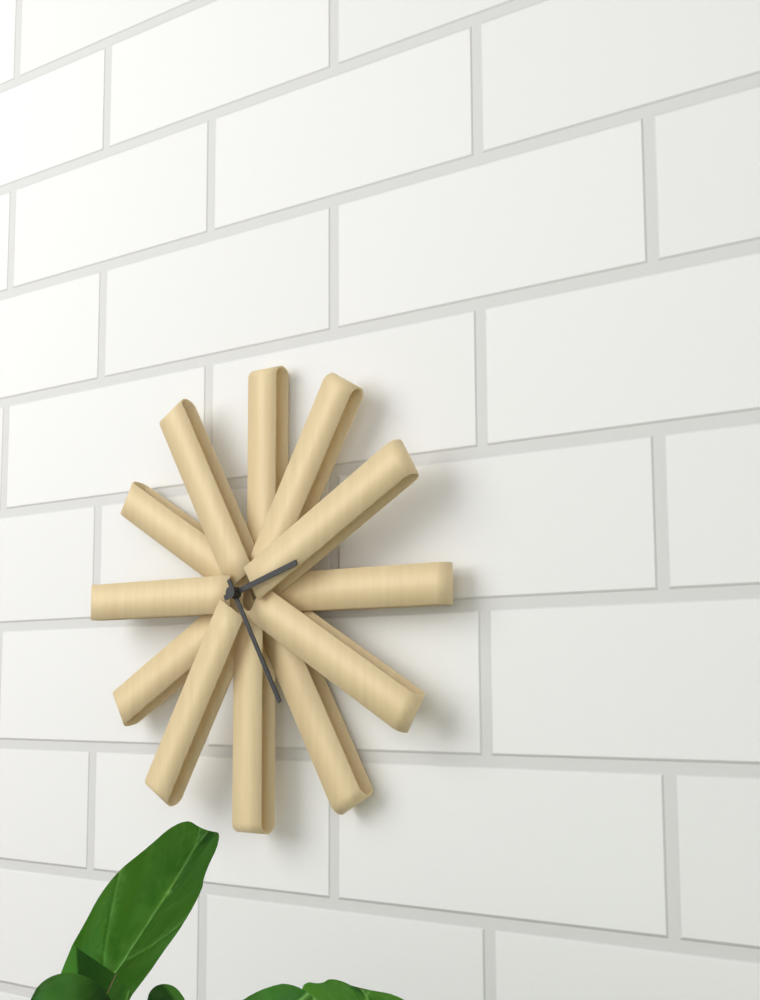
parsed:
2,25
